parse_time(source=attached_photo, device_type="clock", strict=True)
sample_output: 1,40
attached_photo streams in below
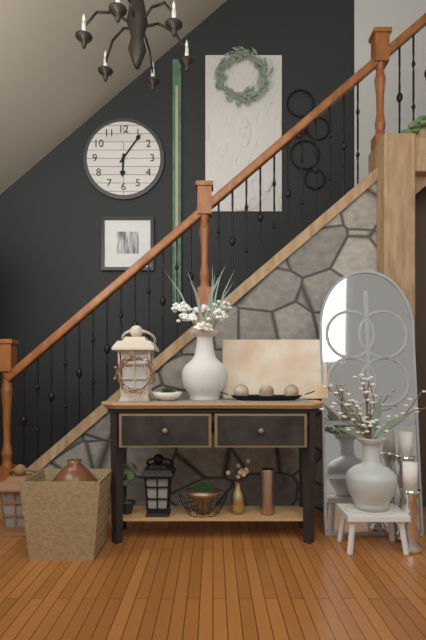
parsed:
6,06
